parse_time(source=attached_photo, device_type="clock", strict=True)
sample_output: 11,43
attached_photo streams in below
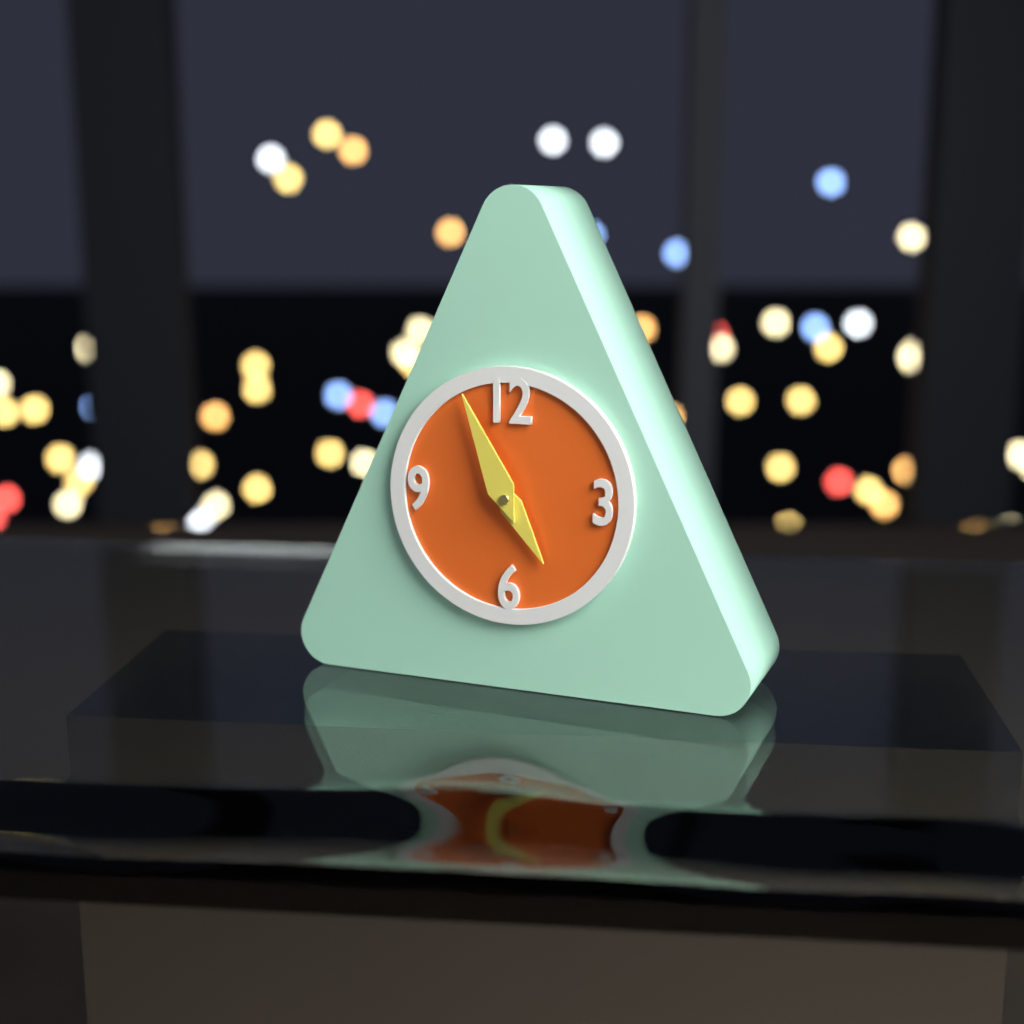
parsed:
4,56
